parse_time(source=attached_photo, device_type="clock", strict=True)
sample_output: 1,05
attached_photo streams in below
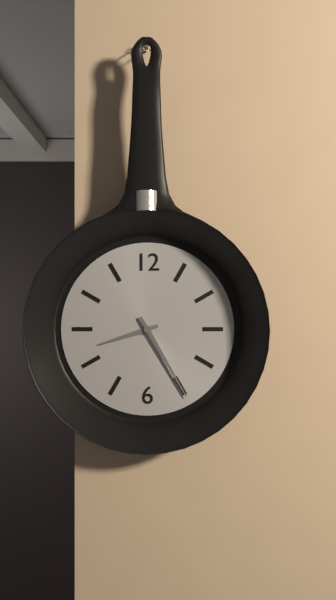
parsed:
8,25
